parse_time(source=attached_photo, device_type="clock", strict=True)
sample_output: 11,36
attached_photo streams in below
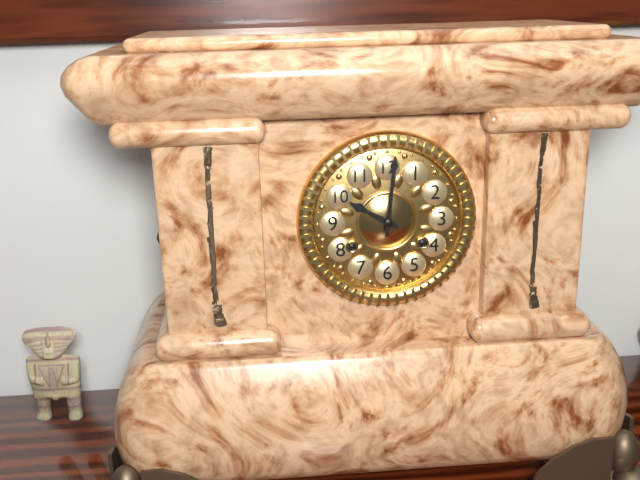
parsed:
10,01
